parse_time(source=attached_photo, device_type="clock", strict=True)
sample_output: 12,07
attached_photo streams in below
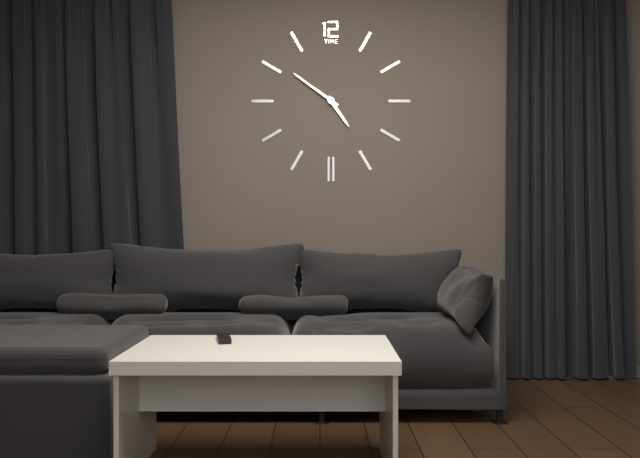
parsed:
4,51
